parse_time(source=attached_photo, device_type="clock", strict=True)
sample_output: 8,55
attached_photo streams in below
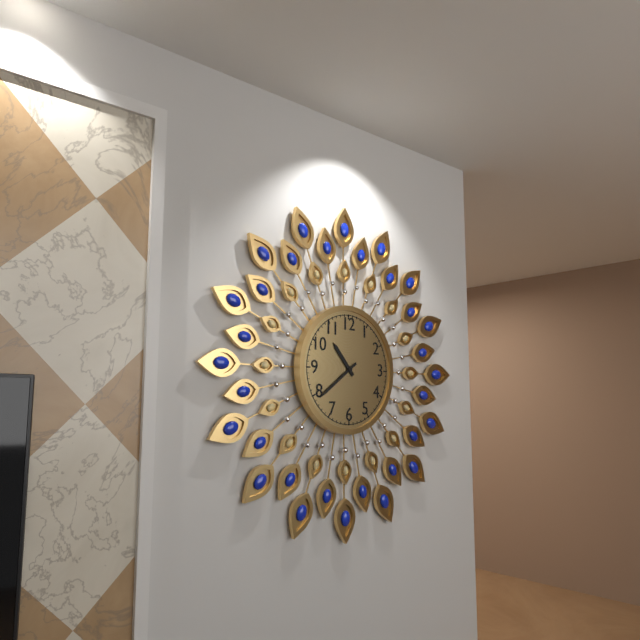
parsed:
10,39
